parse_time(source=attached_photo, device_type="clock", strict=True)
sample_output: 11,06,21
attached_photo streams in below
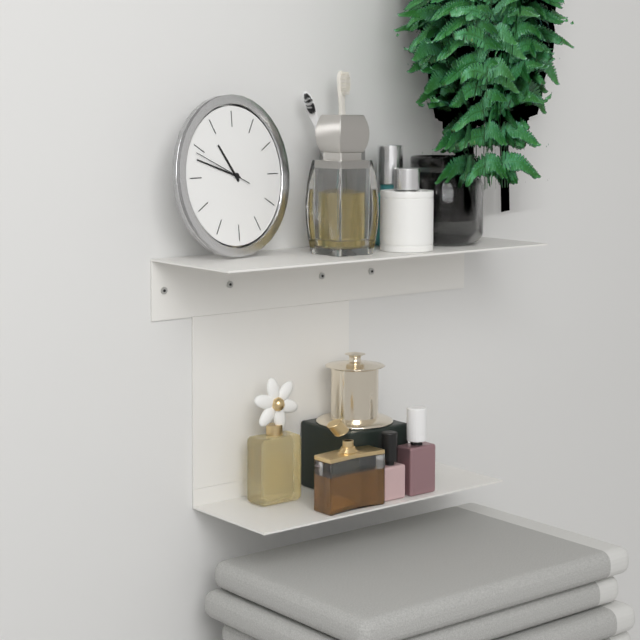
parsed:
10,48,49
